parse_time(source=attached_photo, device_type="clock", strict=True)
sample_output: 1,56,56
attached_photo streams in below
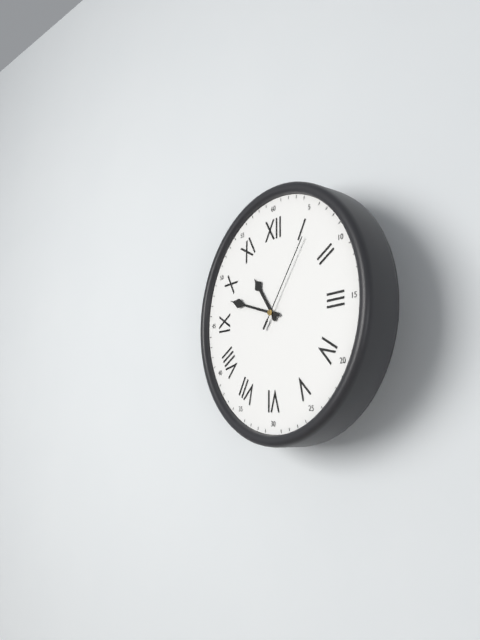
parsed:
10,48,06
